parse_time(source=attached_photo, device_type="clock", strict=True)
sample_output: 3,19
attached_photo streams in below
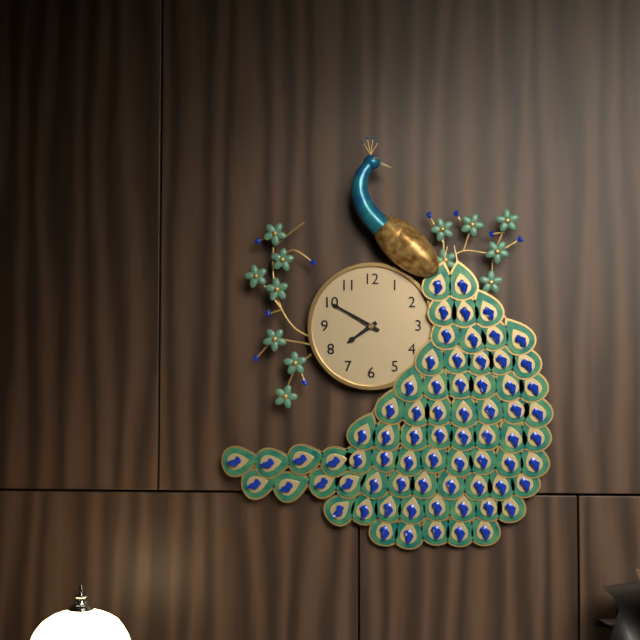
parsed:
7,50
